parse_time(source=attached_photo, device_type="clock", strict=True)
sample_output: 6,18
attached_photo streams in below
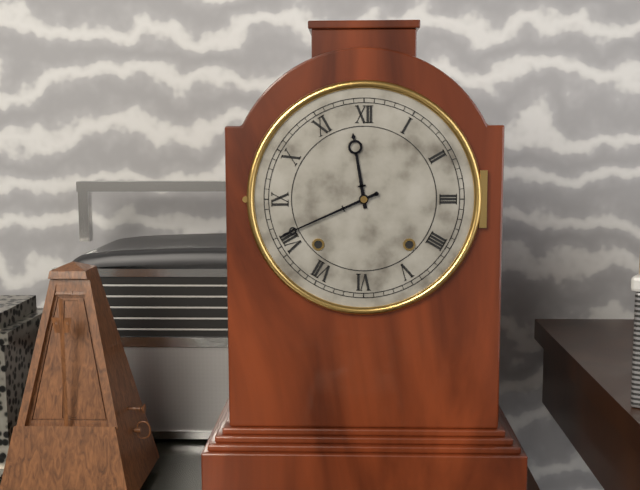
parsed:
11,41
